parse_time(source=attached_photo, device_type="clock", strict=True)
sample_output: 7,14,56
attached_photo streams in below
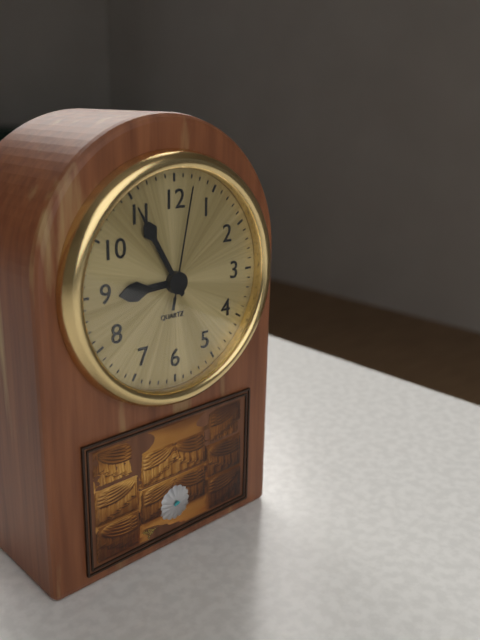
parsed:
8,55,02
